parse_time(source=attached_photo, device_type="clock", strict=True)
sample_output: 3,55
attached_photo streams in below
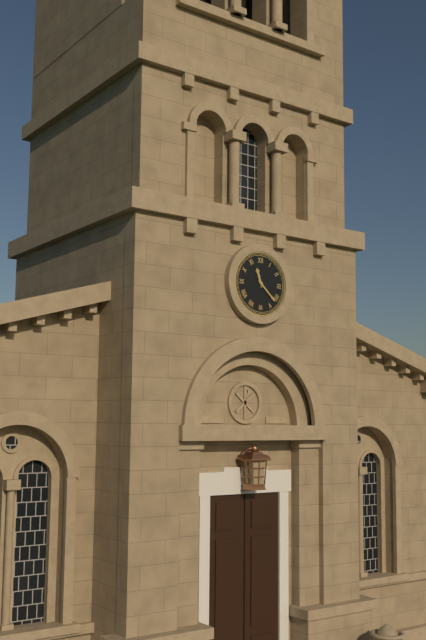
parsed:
11,22
